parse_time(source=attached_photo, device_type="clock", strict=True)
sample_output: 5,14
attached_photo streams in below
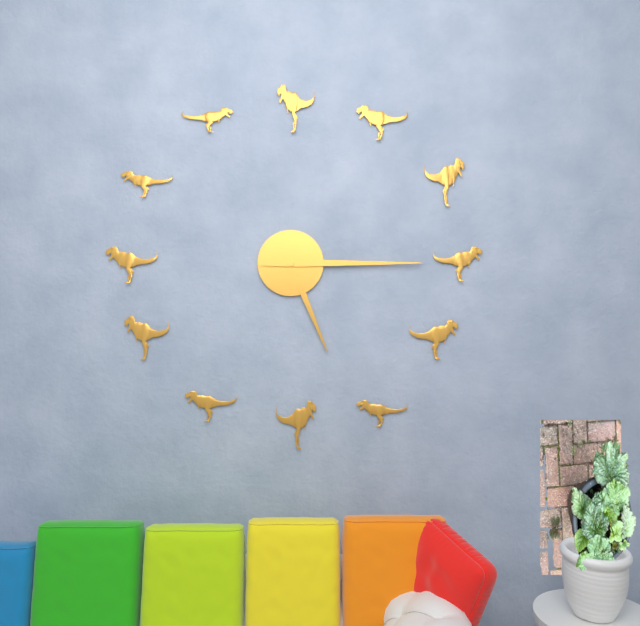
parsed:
5,15
